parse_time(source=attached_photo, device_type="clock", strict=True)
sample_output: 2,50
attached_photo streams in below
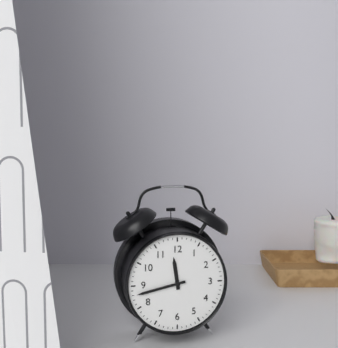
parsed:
11,43
